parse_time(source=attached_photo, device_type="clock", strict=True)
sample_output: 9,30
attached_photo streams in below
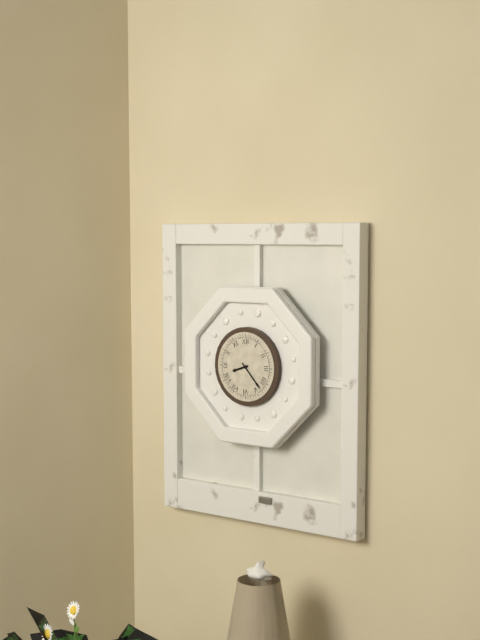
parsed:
8,23
